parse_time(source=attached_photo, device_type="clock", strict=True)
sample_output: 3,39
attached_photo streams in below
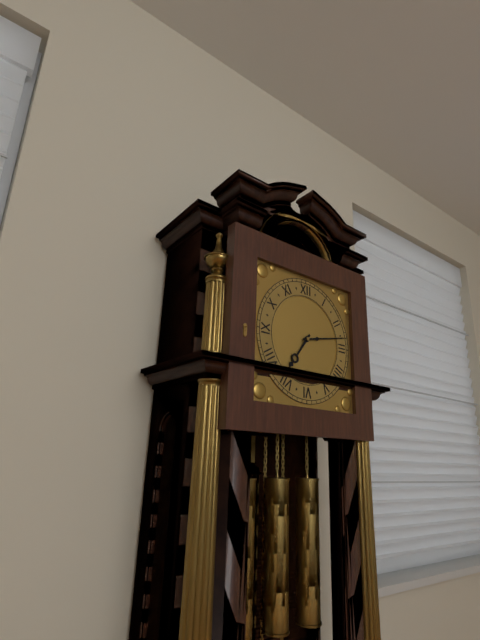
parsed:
7,13
